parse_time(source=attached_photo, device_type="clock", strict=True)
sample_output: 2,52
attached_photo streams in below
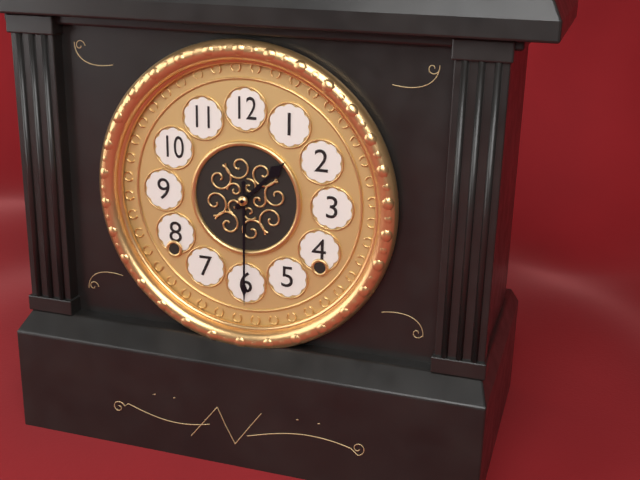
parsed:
1,30
